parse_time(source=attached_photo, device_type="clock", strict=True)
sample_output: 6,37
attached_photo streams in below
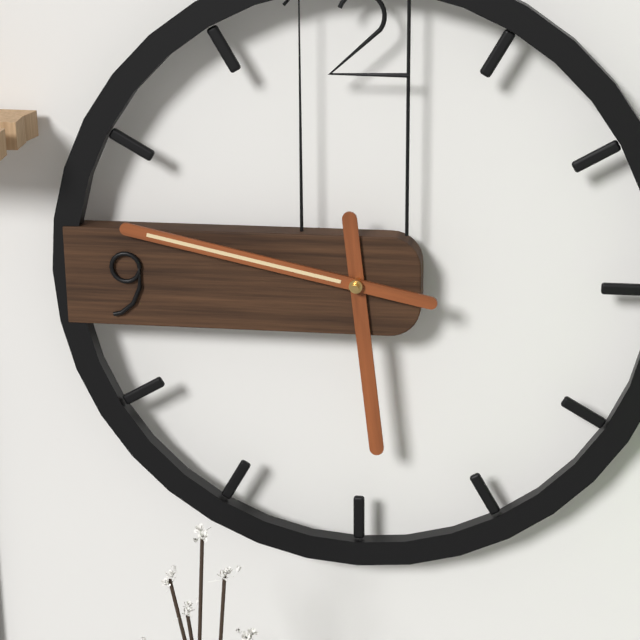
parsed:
5,47
